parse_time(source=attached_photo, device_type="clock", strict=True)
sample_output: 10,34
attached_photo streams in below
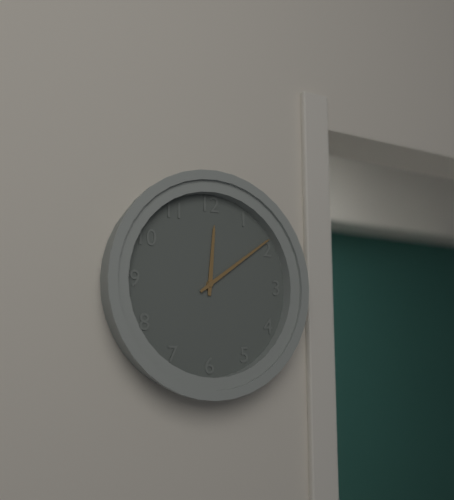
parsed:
12,09
